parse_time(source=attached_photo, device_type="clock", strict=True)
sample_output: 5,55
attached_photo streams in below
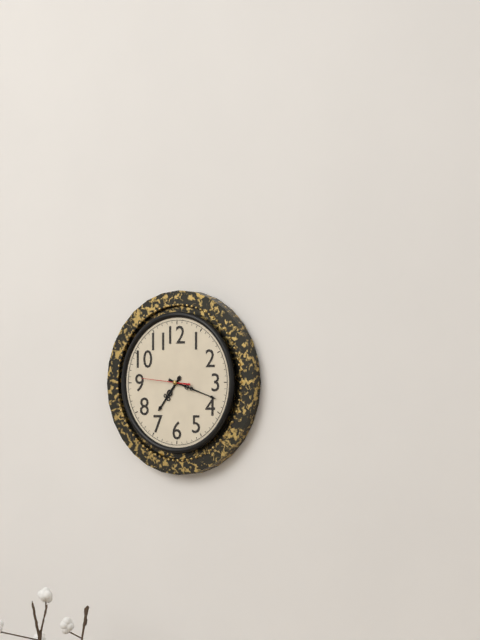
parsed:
7,18
